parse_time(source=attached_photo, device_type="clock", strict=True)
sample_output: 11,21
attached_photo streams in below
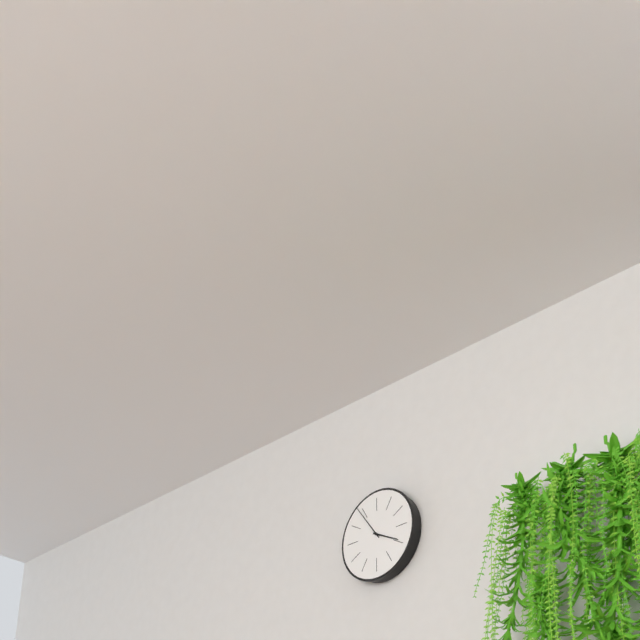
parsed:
3,54
